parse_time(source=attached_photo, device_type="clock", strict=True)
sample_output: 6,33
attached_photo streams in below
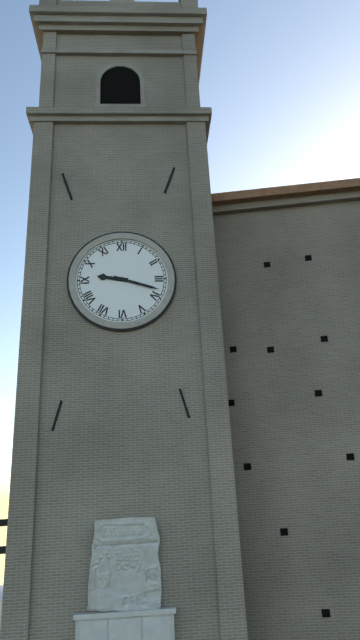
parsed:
9,18
